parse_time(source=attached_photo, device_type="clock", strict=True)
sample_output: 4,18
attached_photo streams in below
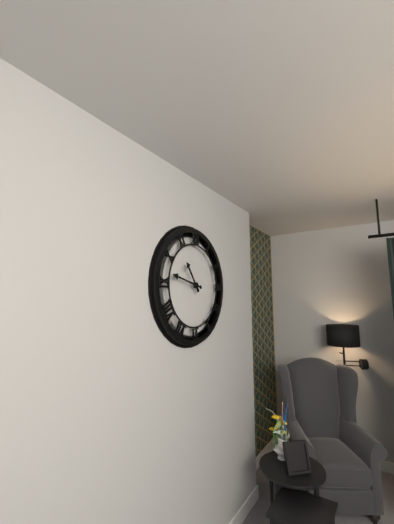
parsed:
10,47
